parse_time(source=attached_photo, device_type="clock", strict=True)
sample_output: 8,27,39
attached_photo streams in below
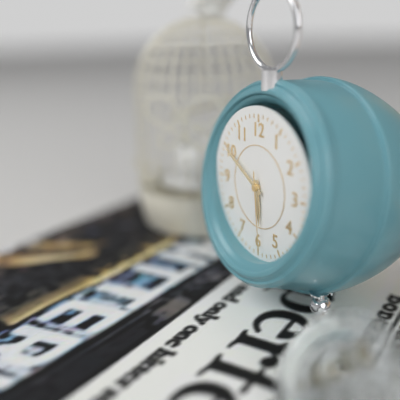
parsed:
5,50,29
